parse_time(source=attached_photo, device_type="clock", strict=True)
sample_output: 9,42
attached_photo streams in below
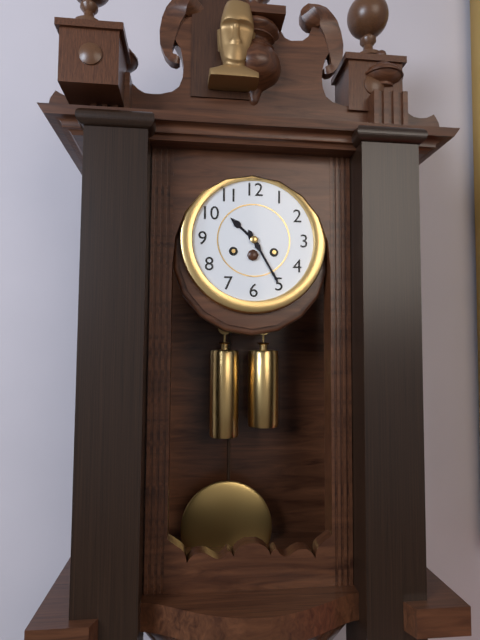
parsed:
10,25
